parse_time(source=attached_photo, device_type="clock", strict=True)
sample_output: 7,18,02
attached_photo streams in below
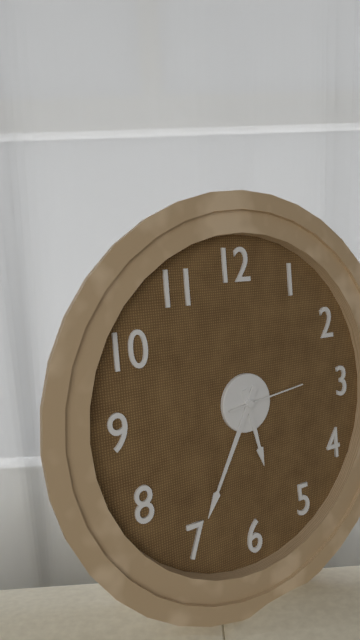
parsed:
5,35,14
